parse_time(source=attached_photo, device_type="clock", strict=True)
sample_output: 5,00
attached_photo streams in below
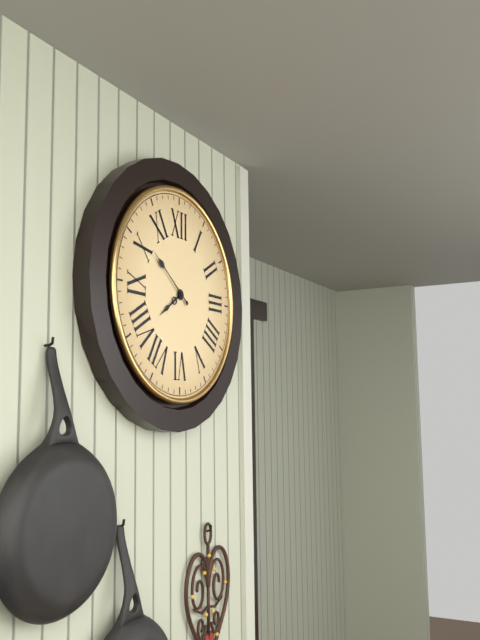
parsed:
7,51
